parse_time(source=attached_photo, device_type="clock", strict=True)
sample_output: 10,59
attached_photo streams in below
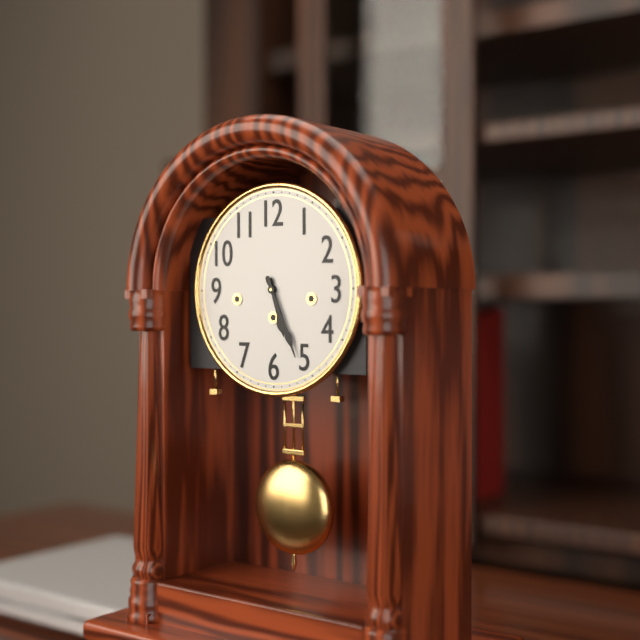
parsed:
5,26
